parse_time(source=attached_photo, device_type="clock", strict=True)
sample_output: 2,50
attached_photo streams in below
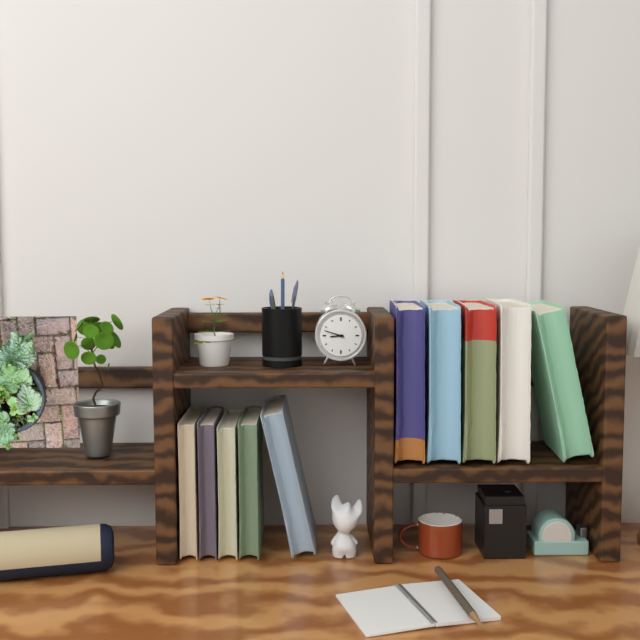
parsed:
8,48
